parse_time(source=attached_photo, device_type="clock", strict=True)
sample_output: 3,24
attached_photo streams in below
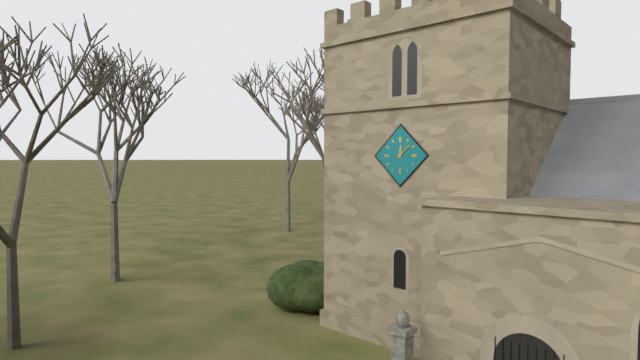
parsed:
12,08
